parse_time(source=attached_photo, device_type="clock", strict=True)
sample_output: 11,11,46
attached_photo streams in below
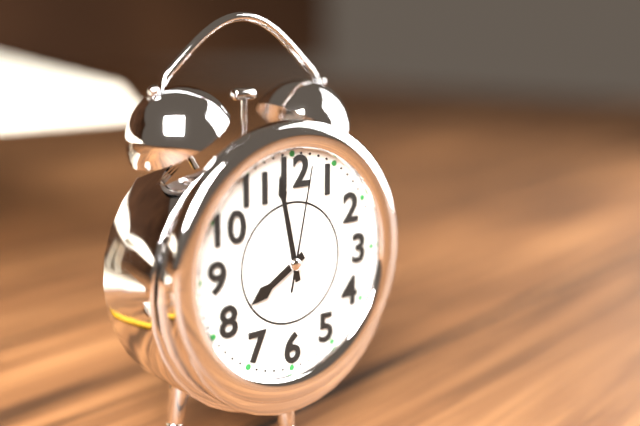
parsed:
7,58,02
